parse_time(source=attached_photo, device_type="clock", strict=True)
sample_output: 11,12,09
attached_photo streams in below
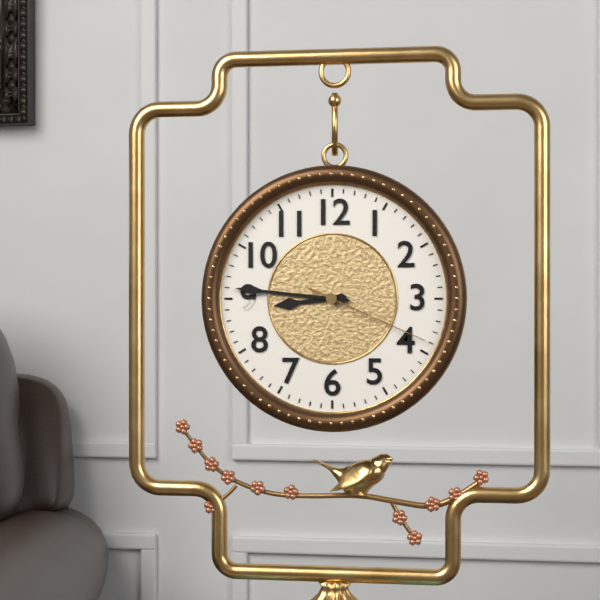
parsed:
8,46,19
